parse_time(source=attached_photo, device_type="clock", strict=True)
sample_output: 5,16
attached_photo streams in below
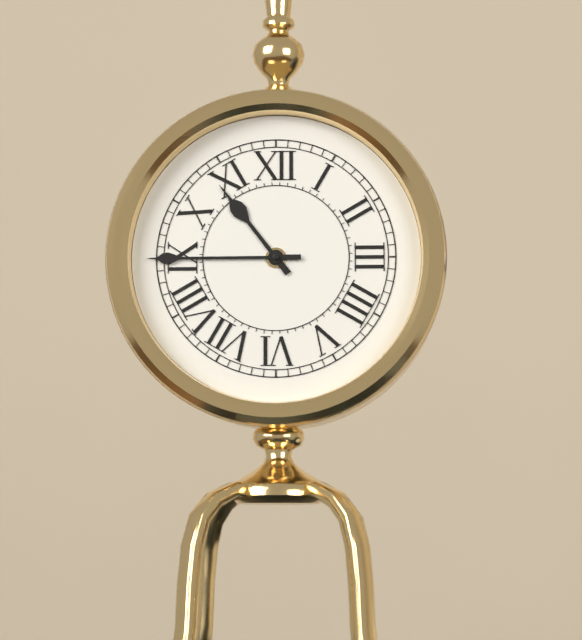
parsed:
10,45
